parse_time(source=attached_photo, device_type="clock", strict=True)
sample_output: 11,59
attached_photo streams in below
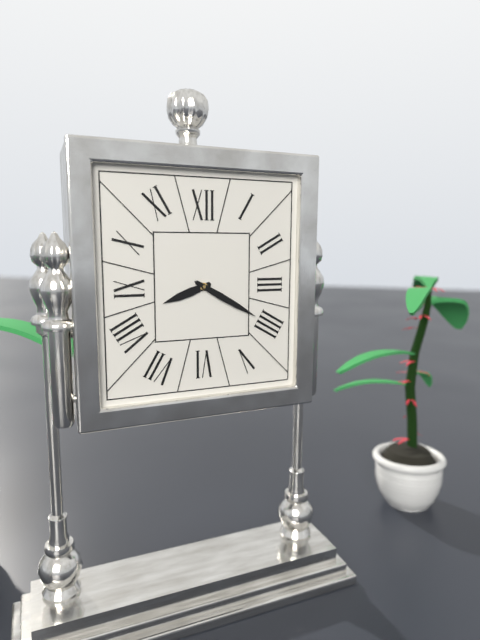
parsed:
8,20
